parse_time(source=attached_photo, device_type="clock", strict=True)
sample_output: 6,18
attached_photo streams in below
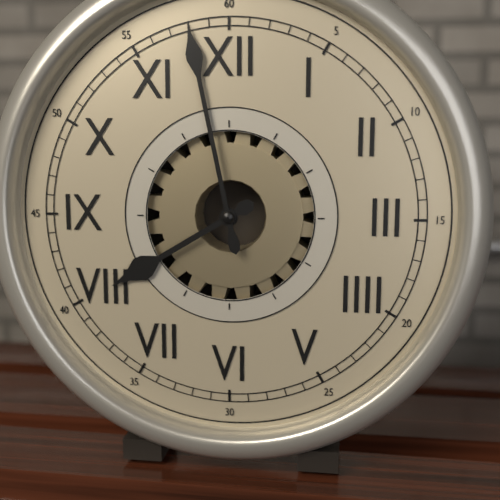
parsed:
7,58
